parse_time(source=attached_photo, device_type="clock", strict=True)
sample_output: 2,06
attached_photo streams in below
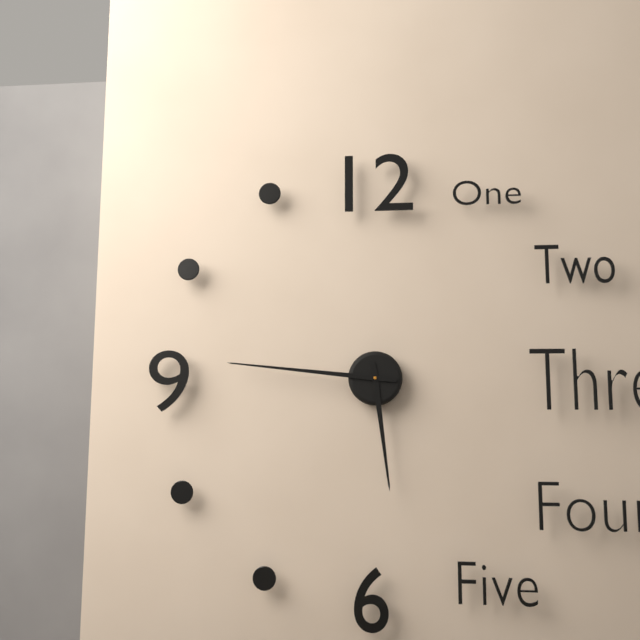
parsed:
5,46
